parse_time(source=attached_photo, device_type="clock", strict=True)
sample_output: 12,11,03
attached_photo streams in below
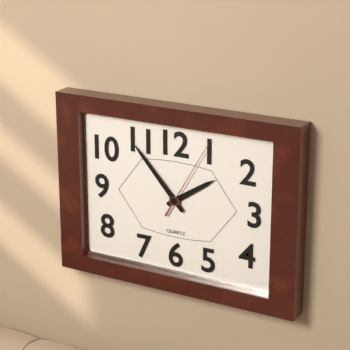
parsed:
1,53,05
